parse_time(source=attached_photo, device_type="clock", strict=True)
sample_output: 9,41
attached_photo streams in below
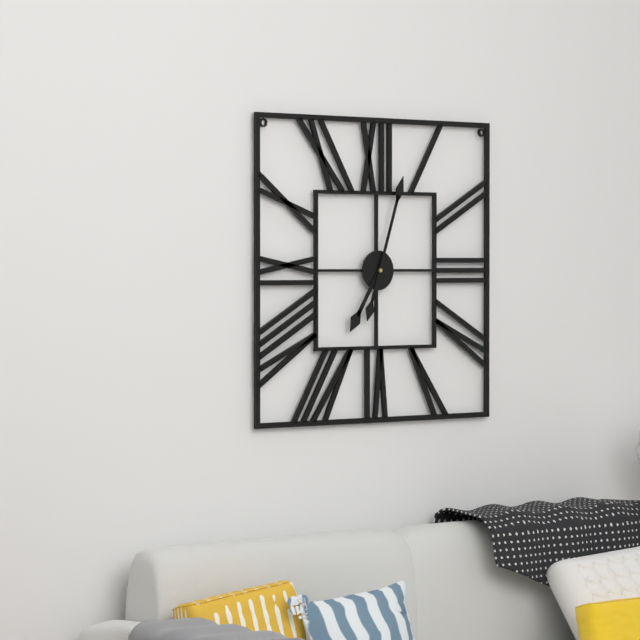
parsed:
7,03
